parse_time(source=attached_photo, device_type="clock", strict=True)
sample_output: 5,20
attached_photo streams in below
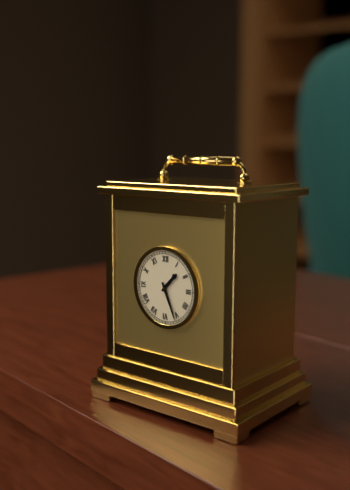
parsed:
1,26
